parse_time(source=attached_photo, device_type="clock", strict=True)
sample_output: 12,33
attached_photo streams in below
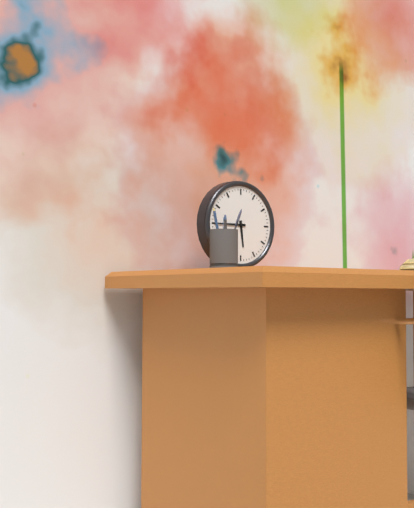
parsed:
5,45
